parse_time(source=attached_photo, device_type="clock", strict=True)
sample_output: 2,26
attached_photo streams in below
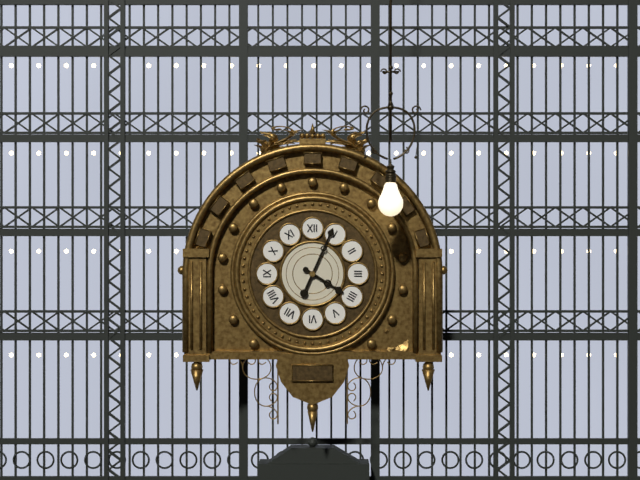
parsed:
4,04
